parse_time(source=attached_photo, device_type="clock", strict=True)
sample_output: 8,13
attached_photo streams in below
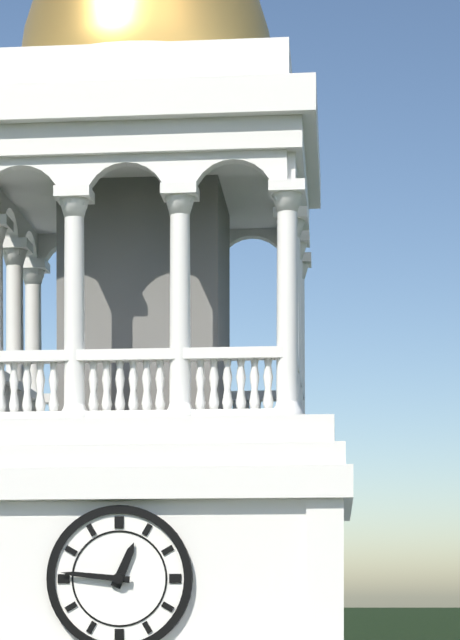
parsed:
12,46
